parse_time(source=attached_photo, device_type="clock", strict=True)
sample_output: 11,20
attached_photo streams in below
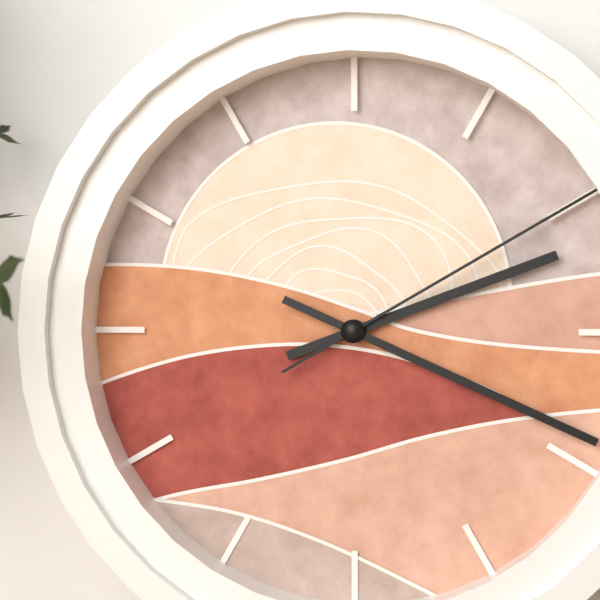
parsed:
2,19
